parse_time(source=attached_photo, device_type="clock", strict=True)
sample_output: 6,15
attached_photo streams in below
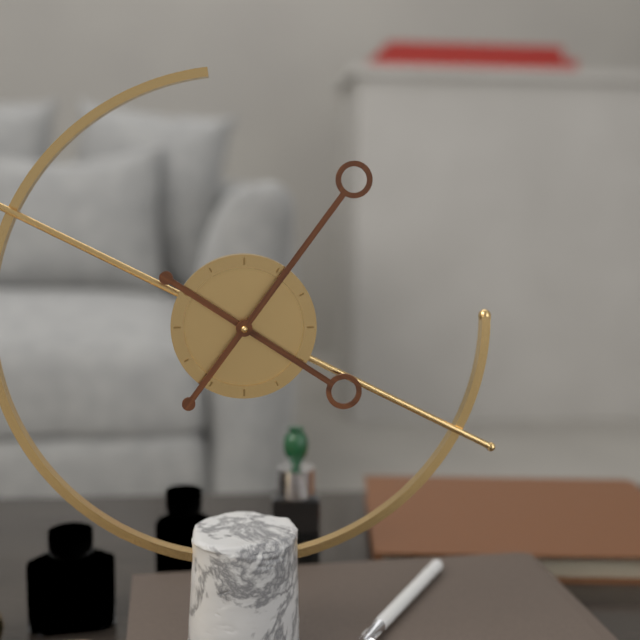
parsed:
4,06
